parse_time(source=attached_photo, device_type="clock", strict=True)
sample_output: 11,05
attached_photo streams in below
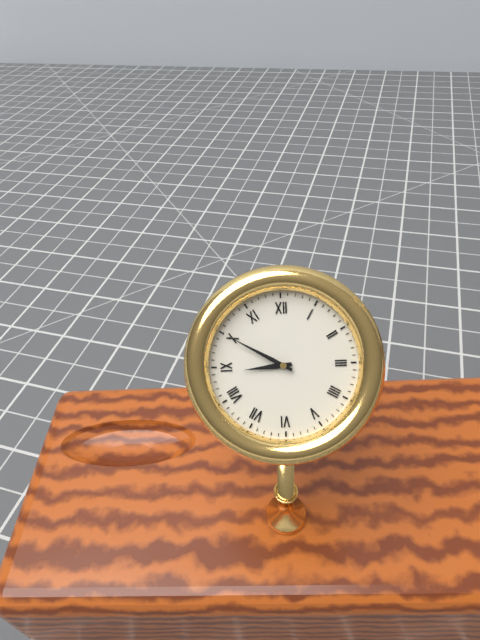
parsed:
8,50
